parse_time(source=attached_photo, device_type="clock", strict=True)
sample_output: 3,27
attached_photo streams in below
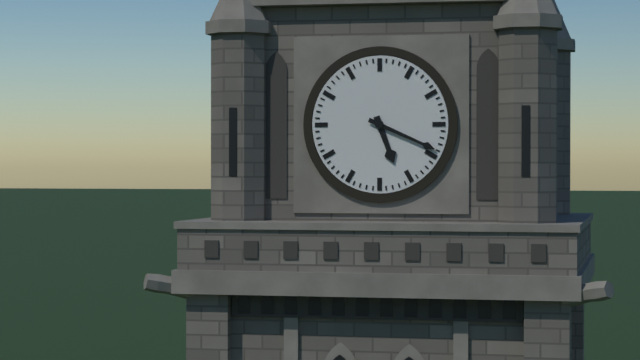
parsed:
5,19
